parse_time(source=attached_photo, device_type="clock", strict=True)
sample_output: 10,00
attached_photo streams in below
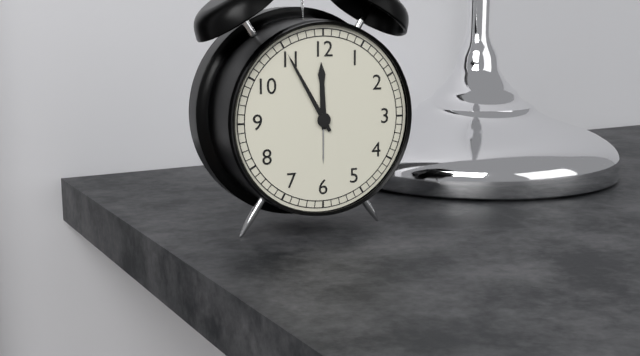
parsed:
11,55
